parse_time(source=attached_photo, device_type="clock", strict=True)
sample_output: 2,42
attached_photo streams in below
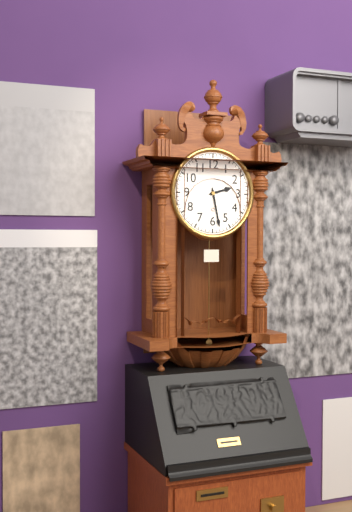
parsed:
2,28
